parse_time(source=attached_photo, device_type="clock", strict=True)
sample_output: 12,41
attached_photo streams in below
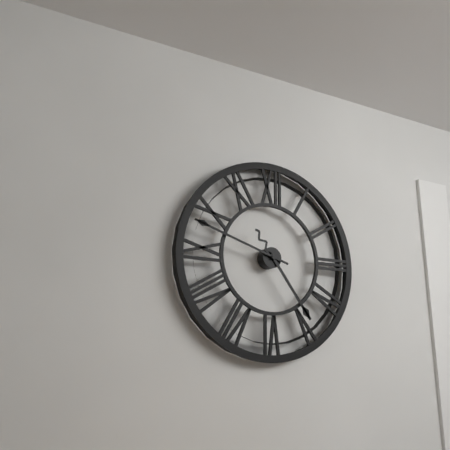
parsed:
4,48
